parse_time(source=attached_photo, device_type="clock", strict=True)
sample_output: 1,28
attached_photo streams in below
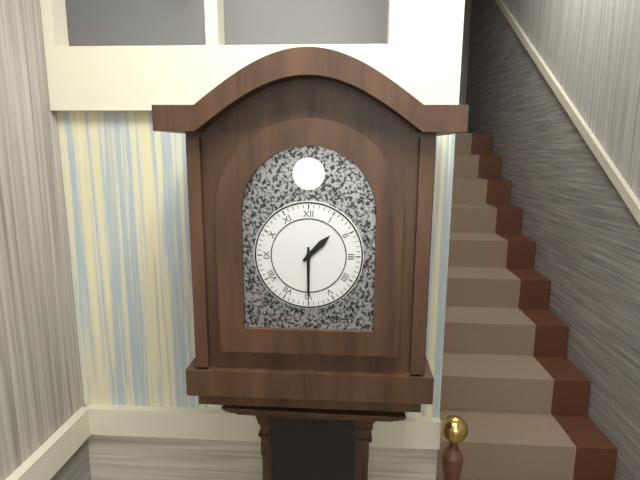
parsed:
1,30
